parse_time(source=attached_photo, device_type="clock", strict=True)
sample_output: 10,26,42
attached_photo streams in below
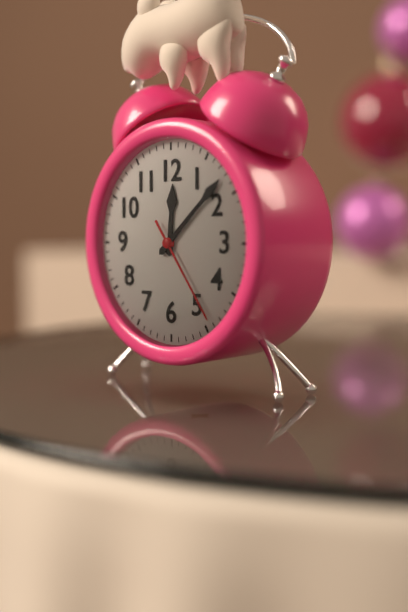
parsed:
12,08,24
